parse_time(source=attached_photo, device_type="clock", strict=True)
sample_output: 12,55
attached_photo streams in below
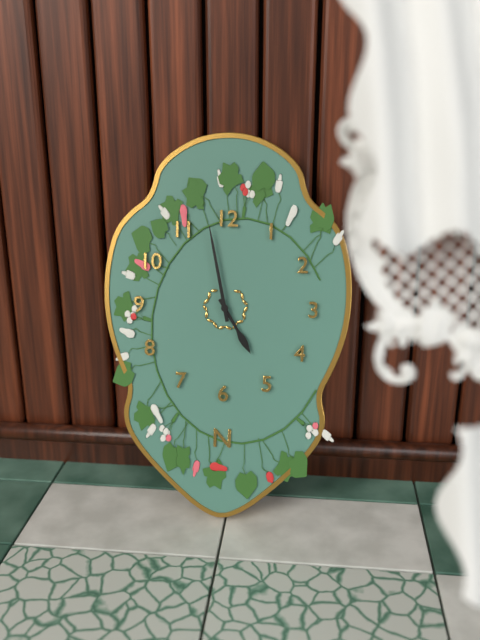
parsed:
4,58
